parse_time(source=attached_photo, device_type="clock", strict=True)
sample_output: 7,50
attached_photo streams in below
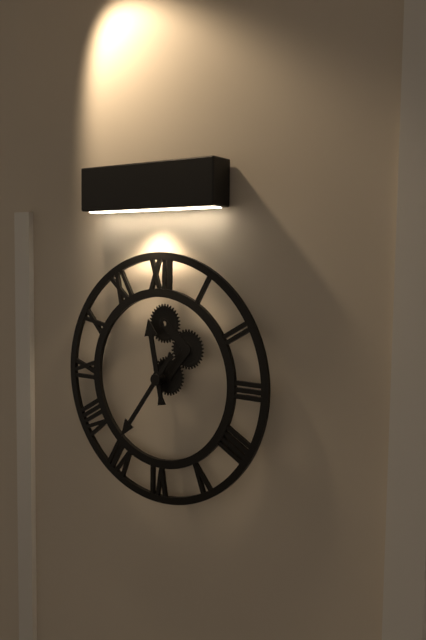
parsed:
11,36
